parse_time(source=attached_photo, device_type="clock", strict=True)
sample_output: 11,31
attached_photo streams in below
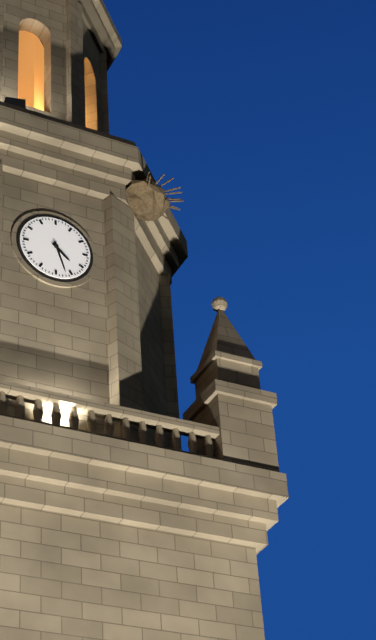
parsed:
4,27
